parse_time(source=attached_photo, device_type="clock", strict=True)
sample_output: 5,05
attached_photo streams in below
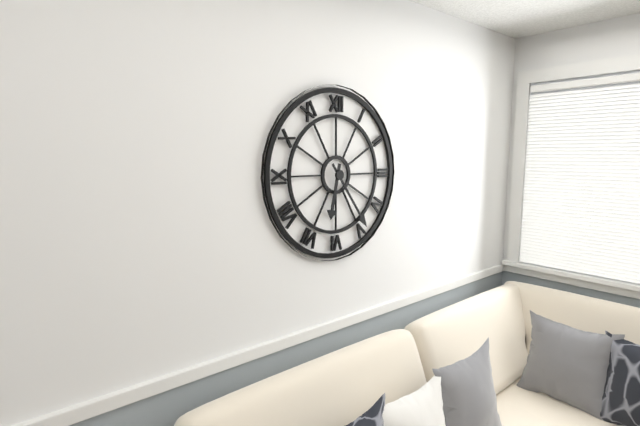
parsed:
6,24
